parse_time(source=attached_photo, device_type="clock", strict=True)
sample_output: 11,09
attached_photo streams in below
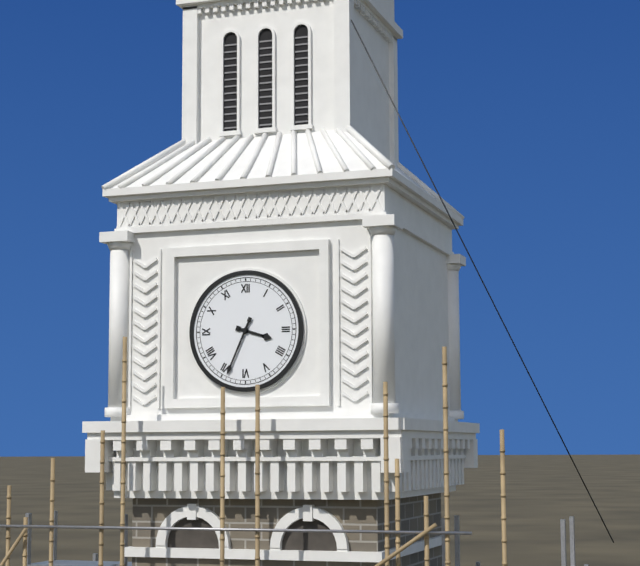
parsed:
3,34
